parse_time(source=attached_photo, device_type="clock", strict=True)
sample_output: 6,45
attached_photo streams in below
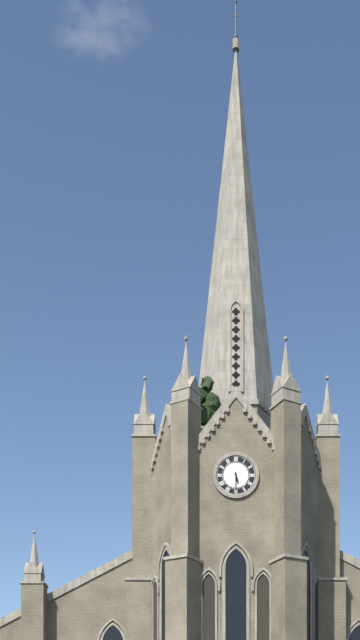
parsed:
5,30
